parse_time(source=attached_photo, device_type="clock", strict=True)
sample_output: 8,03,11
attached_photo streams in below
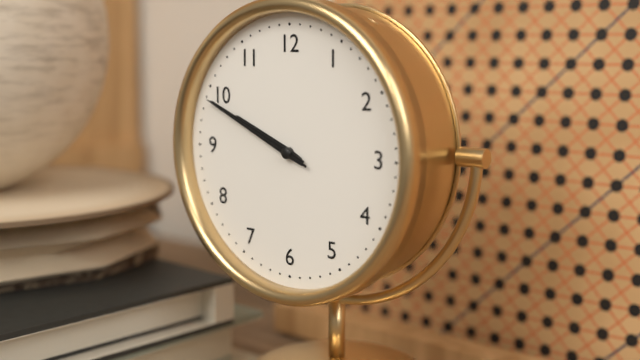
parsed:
9,49,49
